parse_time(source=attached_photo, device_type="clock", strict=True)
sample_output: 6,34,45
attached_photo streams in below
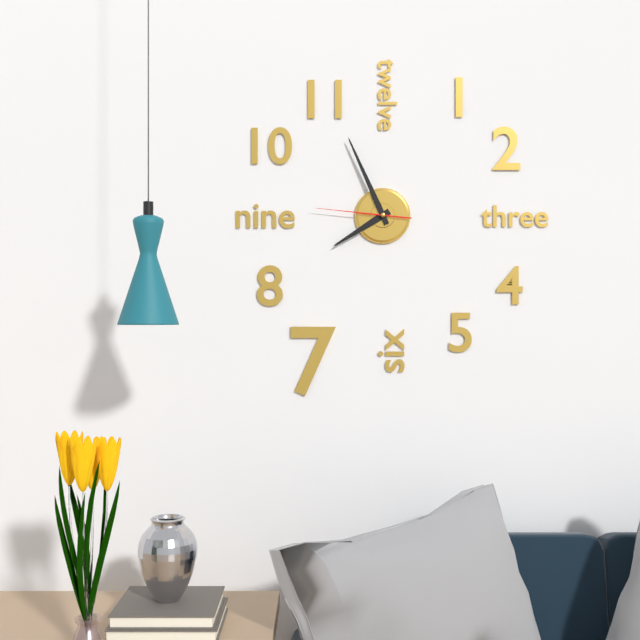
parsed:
7,56,46
